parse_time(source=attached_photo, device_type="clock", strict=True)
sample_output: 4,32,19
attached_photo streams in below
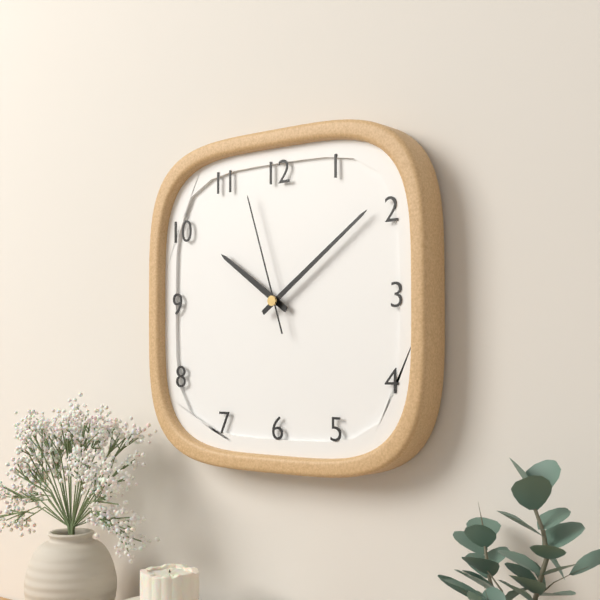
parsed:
10,09,57
